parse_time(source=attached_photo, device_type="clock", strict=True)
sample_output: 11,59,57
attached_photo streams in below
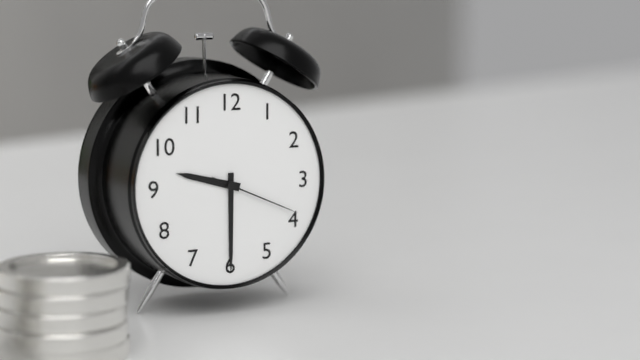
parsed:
9,30,19
